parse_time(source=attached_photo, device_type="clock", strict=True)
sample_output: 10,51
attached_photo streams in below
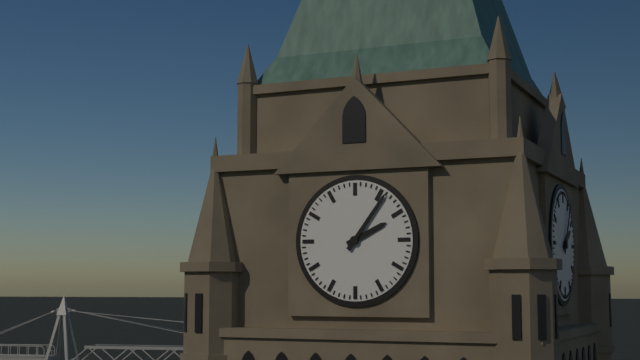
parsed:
2,06
